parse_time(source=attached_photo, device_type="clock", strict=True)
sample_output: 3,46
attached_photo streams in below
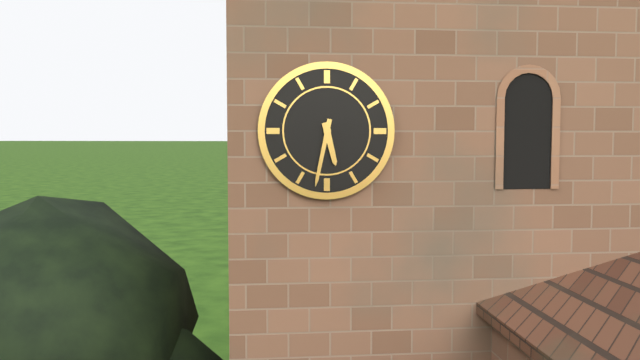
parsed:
5,32
